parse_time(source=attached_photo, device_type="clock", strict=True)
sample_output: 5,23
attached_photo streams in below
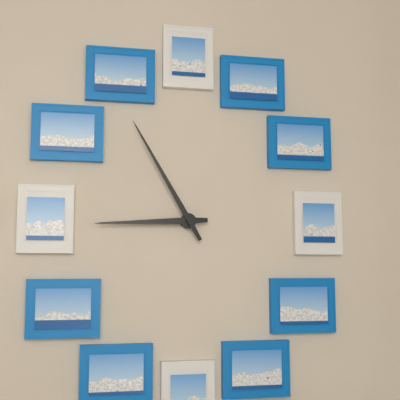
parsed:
8,55
